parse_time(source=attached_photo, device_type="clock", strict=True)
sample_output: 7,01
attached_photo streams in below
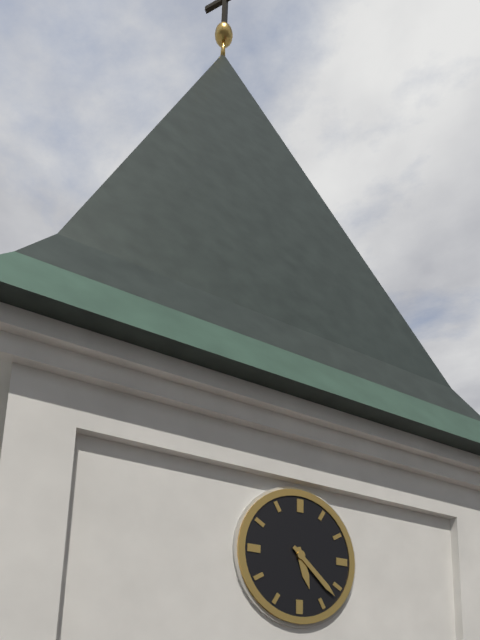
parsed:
5,22
